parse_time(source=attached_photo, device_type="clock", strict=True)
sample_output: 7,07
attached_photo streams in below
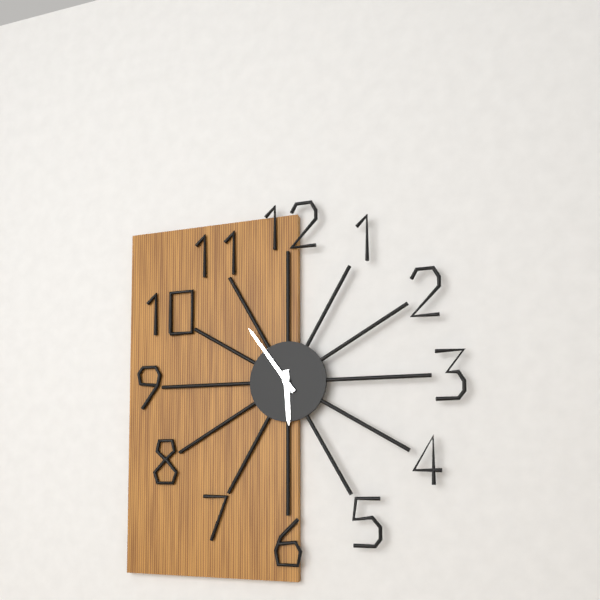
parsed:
5,54
